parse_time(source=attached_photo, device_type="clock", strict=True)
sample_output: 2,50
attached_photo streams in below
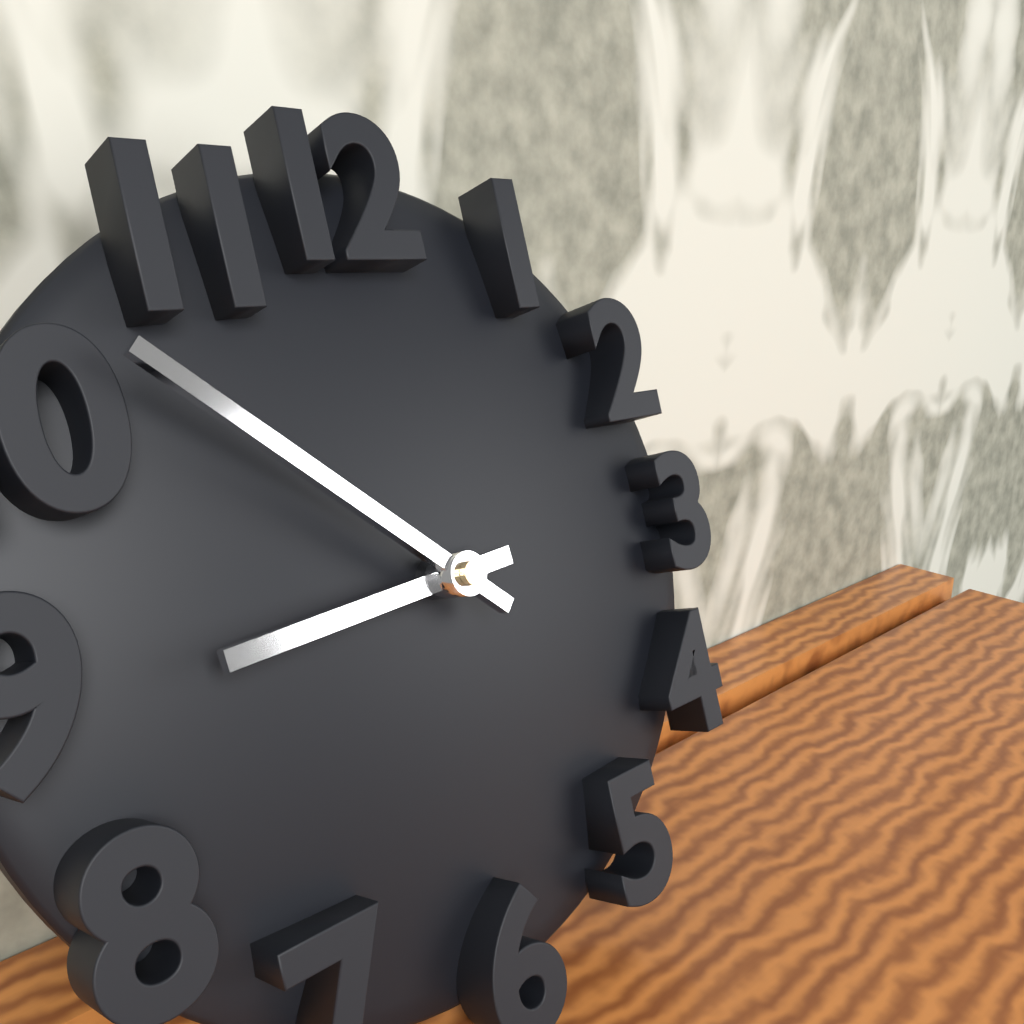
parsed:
8,52
